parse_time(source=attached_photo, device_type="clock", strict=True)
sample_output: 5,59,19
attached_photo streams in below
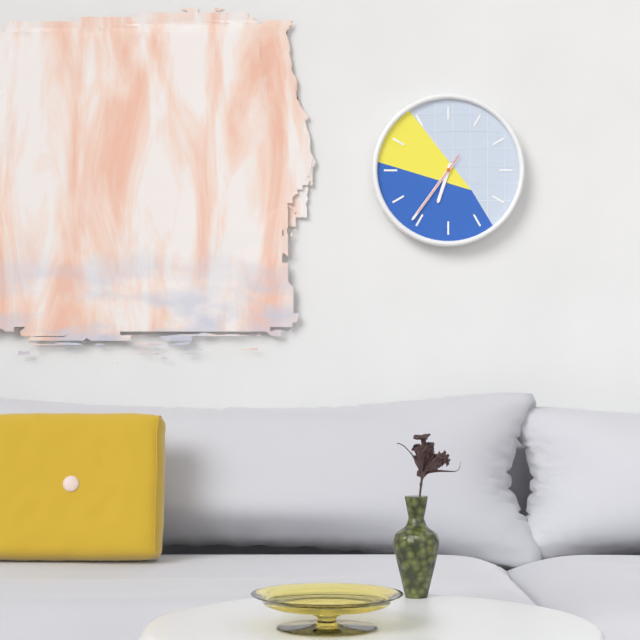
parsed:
6,36,36
